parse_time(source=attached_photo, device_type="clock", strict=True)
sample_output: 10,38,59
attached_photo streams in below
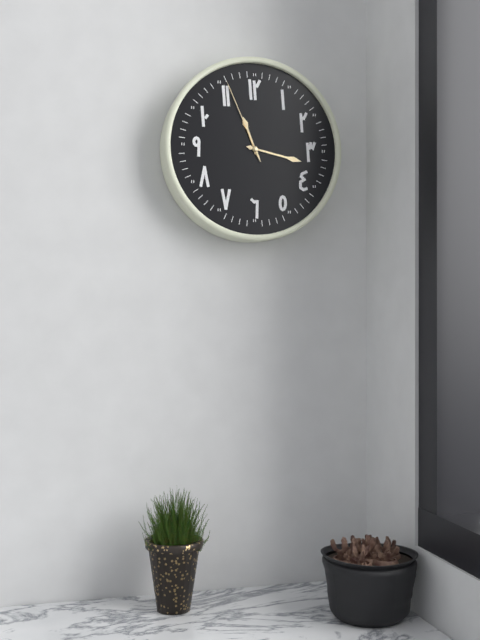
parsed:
11,17,56
